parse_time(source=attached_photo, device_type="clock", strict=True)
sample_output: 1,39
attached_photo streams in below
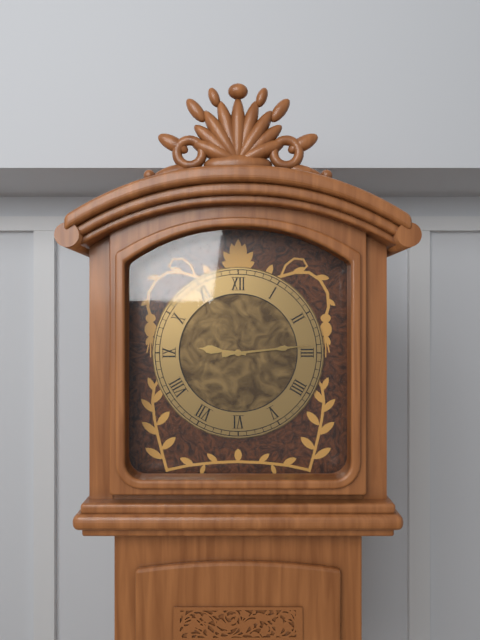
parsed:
9,14
